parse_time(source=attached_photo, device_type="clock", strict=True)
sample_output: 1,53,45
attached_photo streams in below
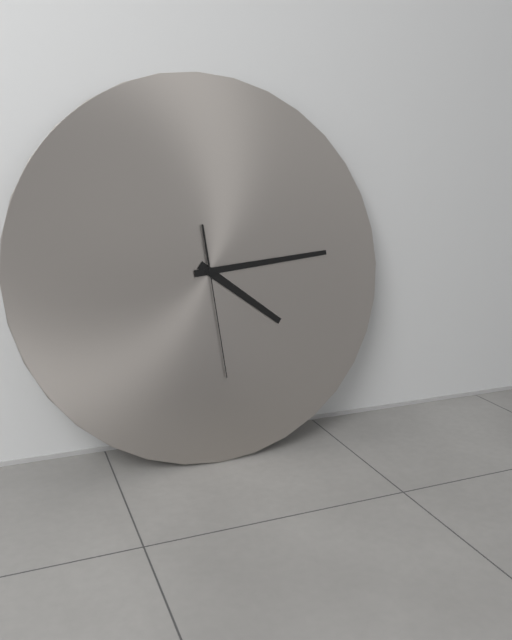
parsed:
4,14,29
